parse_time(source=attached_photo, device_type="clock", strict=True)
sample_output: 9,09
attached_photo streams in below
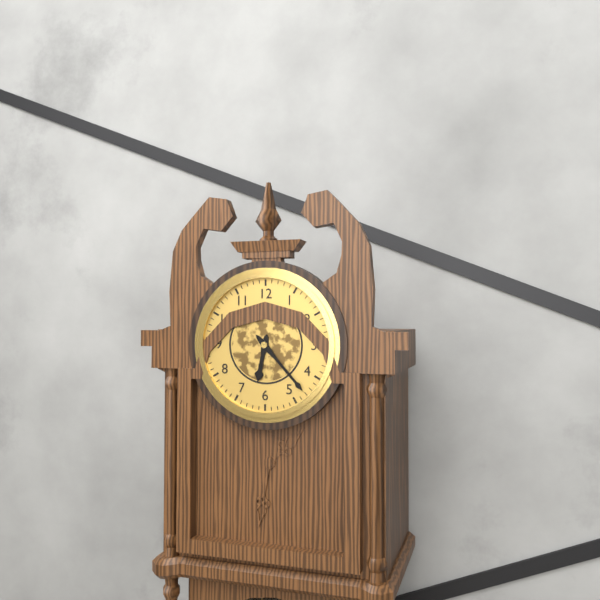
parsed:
6,23
